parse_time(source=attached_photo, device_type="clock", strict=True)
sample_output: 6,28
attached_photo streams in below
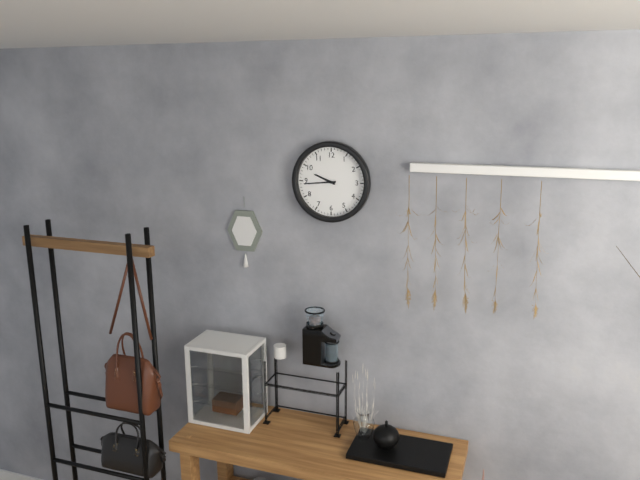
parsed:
9,44
